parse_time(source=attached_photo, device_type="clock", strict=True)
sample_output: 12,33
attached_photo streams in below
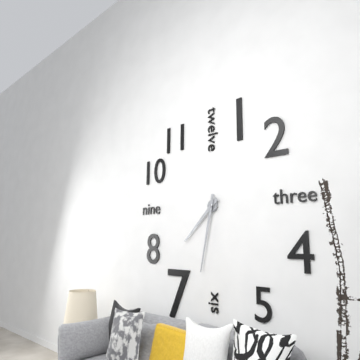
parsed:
7,32
